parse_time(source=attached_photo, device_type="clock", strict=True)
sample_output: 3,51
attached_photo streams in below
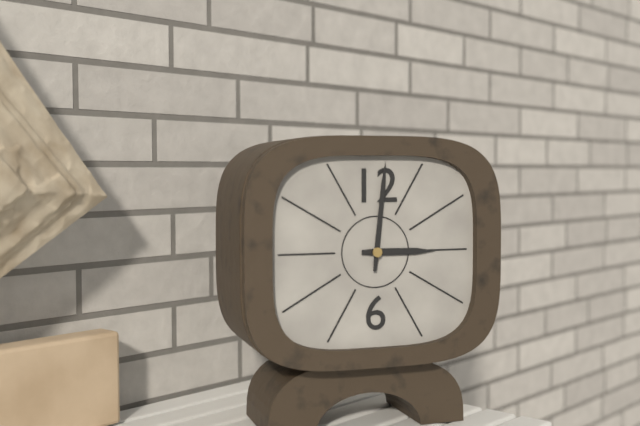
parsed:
3,01
